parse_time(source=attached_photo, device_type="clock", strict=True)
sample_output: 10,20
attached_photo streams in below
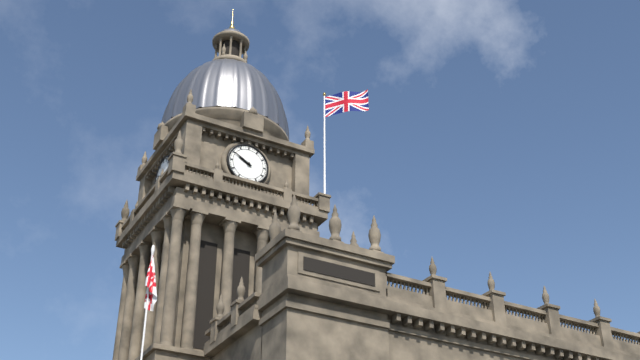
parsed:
9,50
